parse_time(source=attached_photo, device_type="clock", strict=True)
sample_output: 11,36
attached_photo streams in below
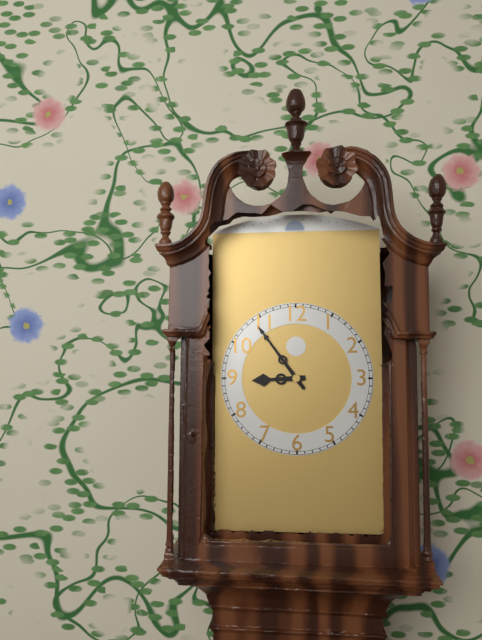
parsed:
8,54
